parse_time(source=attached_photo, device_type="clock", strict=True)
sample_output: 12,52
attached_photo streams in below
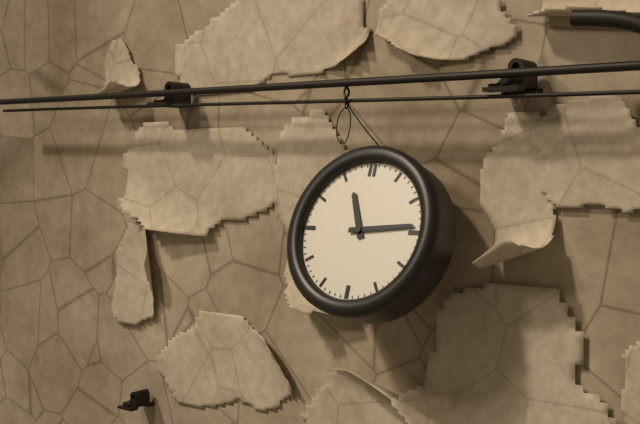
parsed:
11,14
